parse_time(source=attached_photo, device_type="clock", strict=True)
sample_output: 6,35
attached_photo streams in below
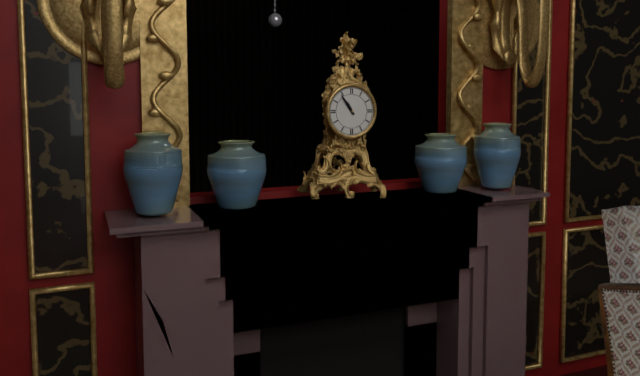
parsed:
10,54
